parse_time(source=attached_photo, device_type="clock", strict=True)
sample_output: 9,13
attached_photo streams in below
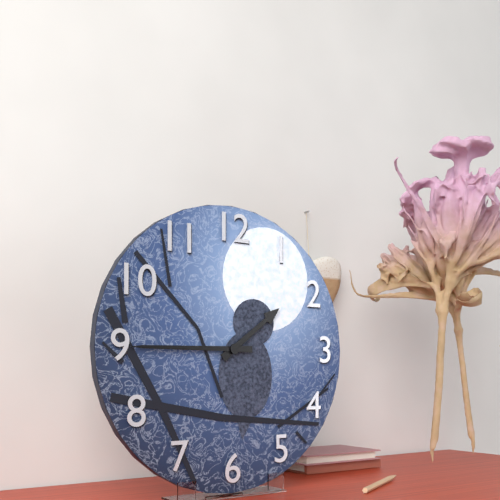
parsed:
1,45
